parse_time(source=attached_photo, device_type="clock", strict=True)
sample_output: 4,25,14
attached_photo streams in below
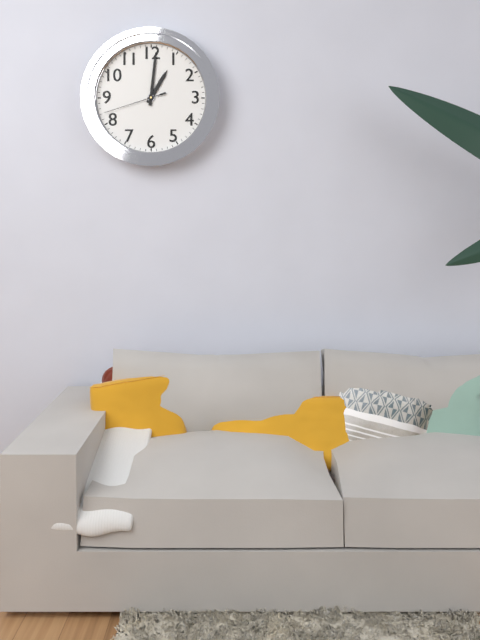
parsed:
1,01,42
